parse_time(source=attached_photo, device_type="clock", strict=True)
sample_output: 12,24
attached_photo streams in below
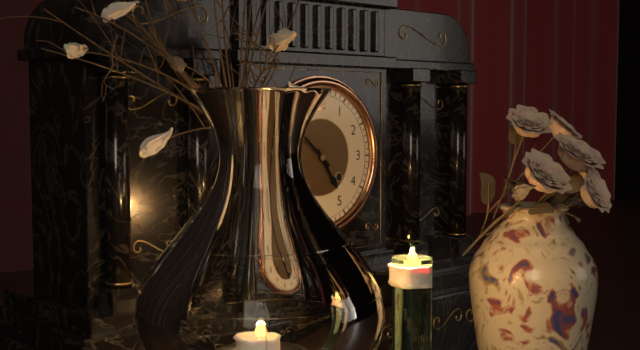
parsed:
4,52
